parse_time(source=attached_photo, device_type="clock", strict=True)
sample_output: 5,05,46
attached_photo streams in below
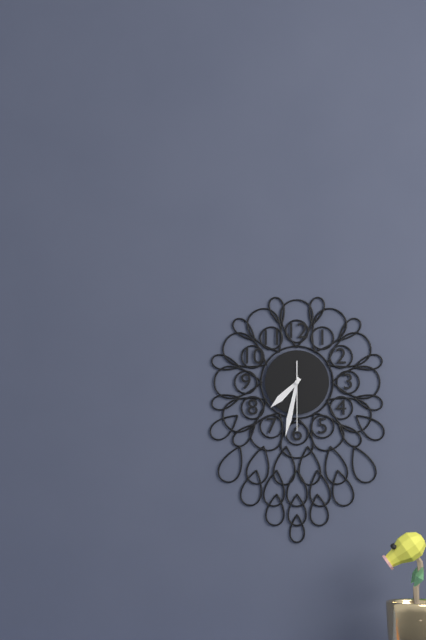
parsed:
7,32,30
